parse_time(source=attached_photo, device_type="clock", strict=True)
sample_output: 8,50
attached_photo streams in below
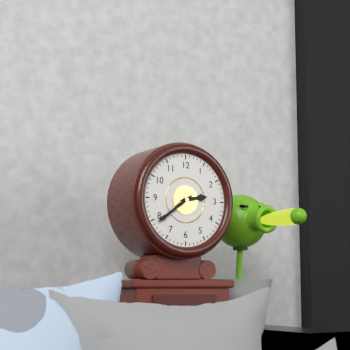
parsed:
2,39
